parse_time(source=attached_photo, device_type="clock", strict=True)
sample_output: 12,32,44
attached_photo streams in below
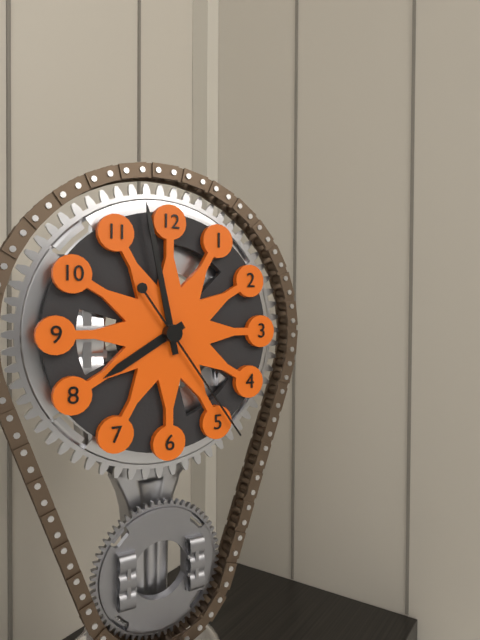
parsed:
7,58,24
